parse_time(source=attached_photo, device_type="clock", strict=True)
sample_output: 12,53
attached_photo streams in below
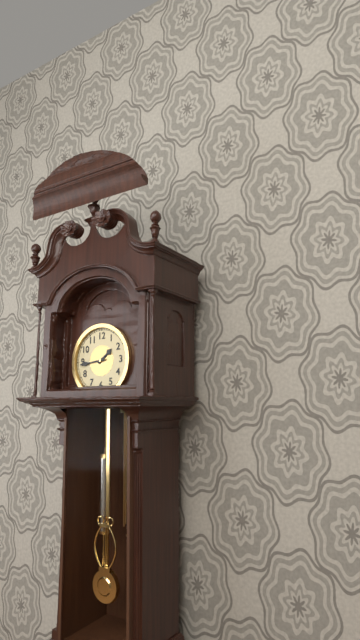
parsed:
1,44
